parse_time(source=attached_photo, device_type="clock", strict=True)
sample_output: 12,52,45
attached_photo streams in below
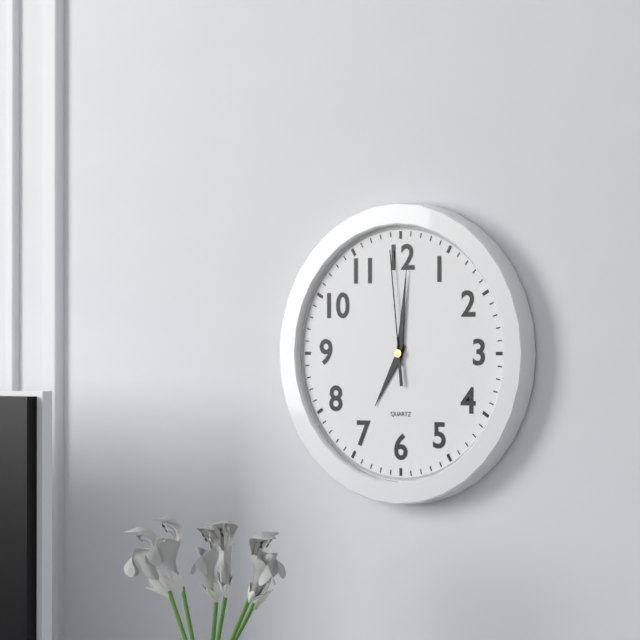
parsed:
7,01,59
